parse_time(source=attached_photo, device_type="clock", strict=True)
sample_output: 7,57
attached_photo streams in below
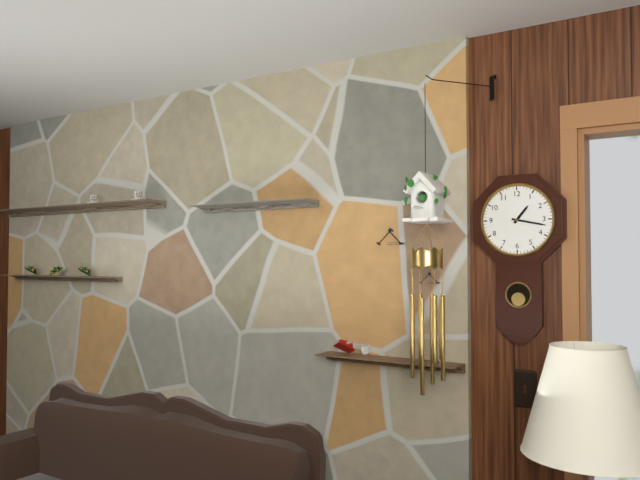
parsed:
1,17
